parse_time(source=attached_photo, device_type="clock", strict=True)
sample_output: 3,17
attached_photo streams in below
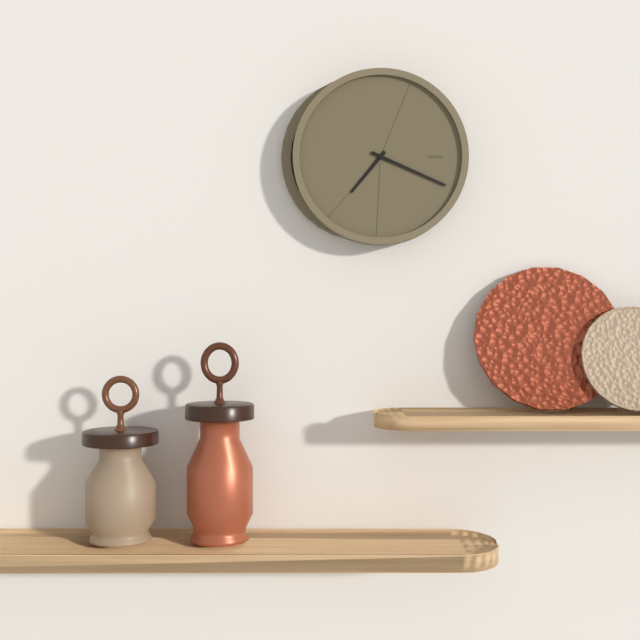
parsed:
7,19
